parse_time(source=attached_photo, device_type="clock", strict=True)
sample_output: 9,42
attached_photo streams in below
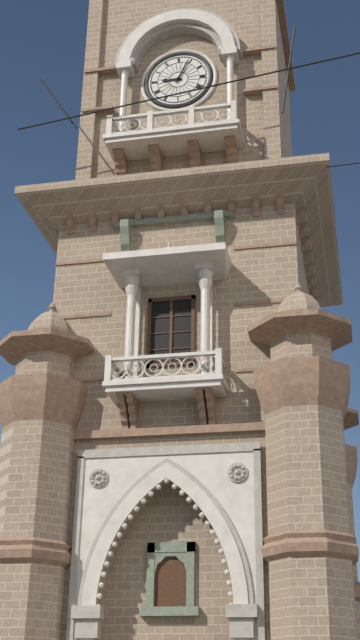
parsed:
9,04
